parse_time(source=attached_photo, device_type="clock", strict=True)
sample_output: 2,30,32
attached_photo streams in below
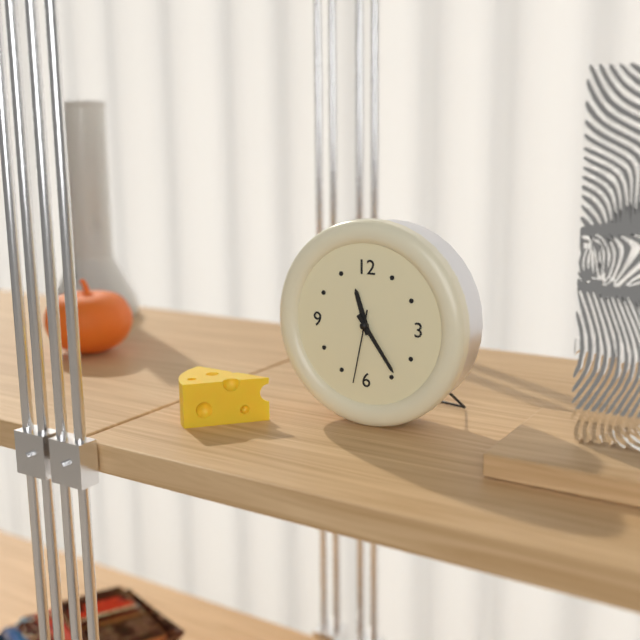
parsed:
11,24,32
